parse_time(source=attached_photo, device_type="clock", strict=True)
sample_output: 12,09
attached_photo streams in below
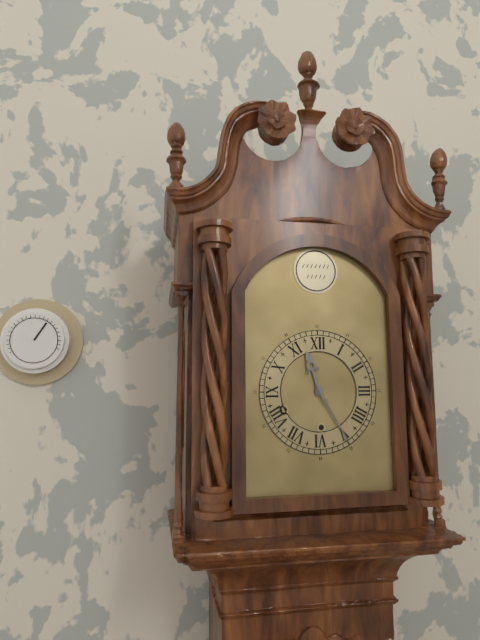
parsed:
11,25
